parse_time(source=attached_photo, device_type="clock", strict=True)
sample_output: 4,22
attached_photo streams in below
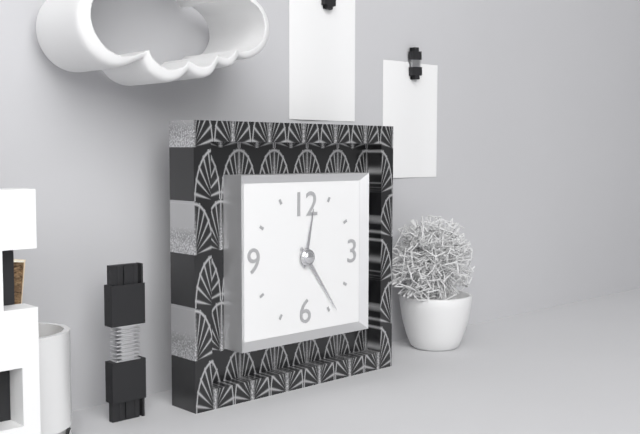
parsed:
12,24
